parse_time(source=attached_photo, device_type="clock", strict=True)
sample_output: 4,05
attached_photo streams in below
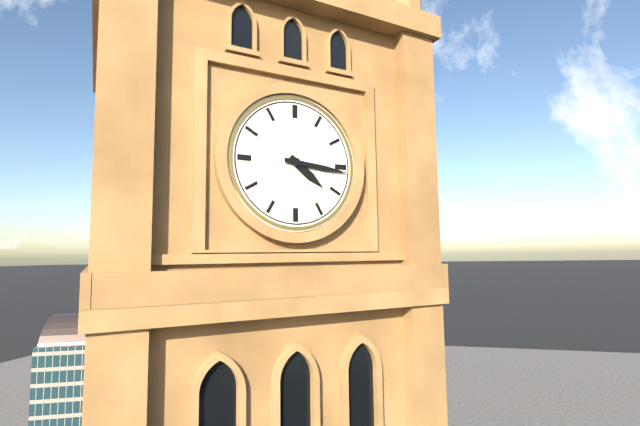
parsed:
4,16
